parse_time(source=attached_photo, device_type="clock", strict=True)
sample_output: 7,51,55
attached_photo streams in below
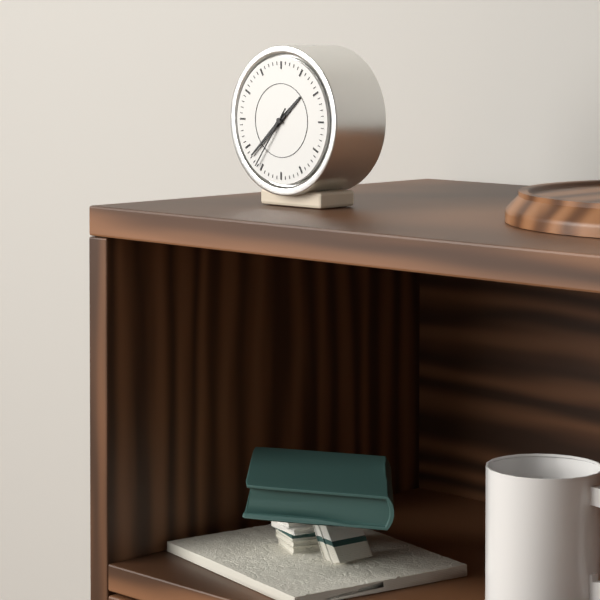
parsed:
1,38,36
